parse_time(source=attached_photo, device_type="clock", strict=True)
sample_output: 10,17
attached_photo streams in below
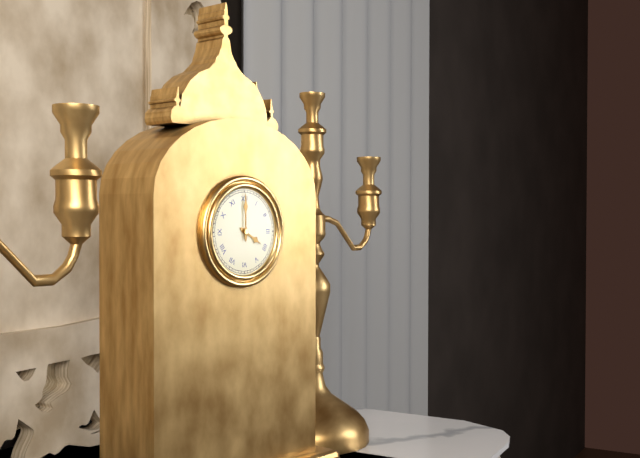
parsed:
4,00
